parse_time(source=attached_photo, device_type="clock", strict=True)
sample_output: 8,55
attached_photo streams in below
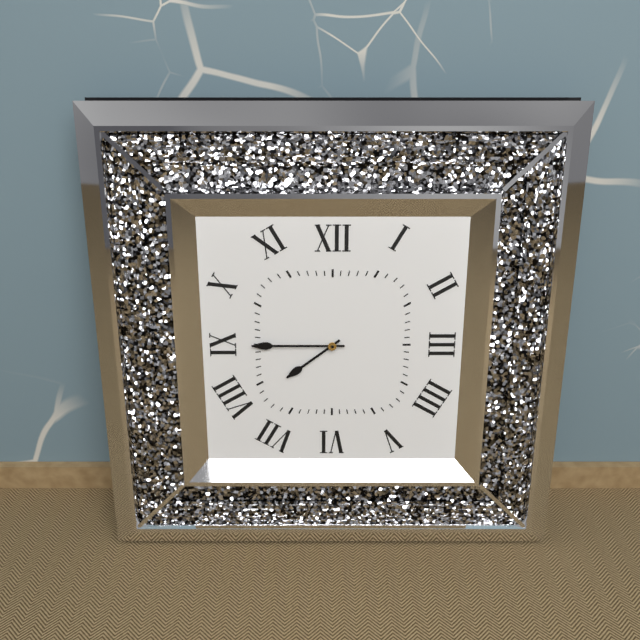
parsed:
7,45
